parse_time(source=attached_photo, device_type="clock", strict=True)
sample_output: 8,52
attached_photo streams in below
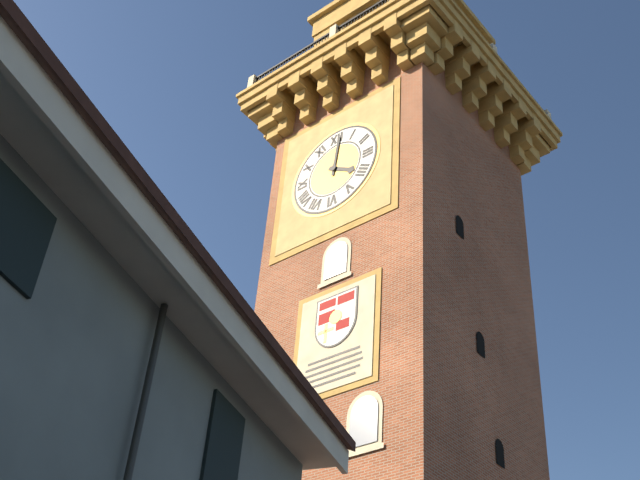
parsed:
4,01
